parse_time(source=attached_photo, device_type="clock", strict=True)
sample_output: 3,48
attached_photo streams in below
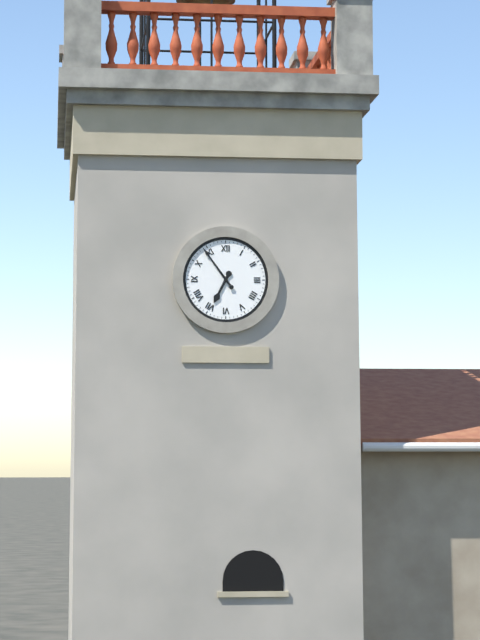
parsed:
6,54
